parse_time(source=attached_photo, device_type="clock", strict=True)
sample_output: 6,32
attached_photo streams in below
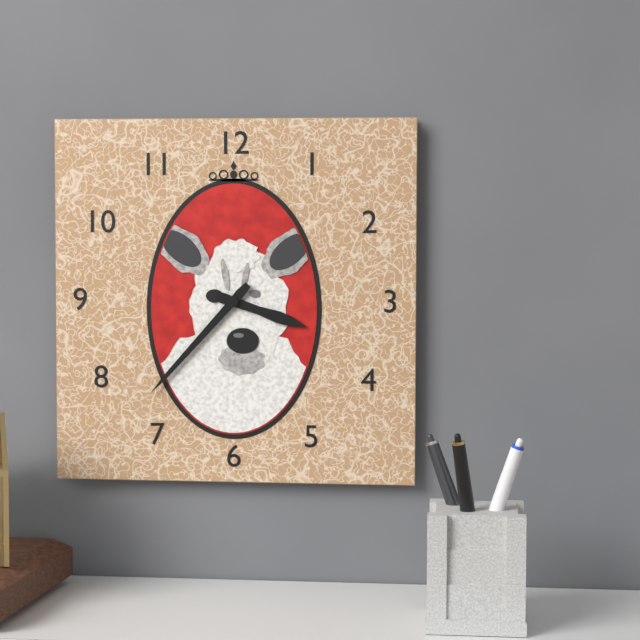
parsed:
3,37
